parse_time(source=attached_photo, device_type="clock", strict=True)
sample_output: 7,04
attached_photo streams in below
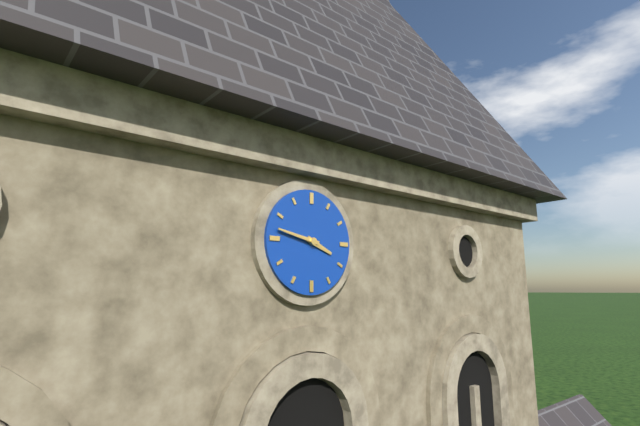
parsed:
3,47
